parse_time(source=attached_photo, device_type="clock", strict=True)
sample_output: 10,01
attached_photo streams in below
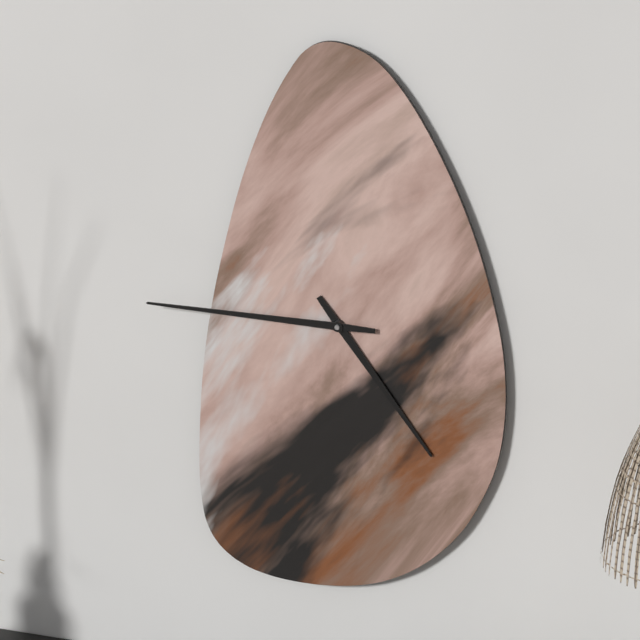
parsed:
4,45
